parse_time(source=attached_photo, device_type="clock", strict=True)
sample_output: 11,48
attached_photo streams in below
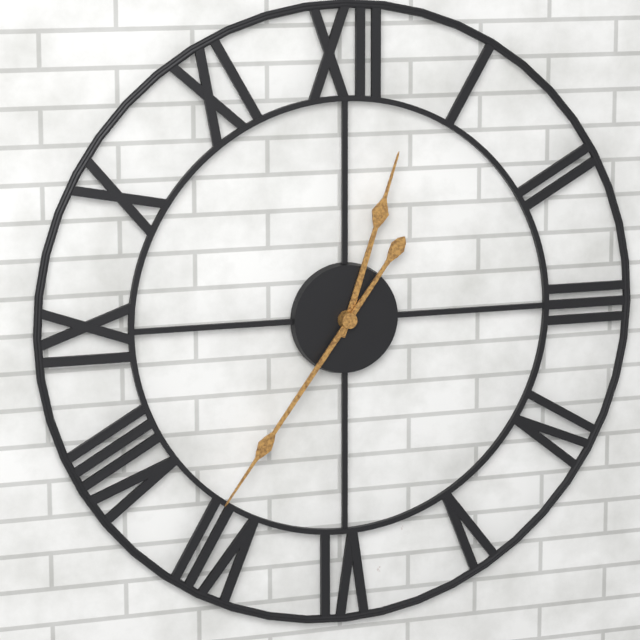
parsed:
12,36
